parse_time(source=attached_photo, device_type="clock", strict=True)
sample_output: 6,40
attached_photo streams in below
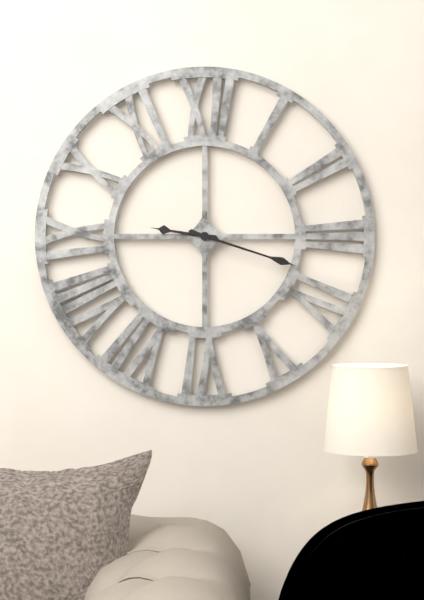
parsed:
9,18
